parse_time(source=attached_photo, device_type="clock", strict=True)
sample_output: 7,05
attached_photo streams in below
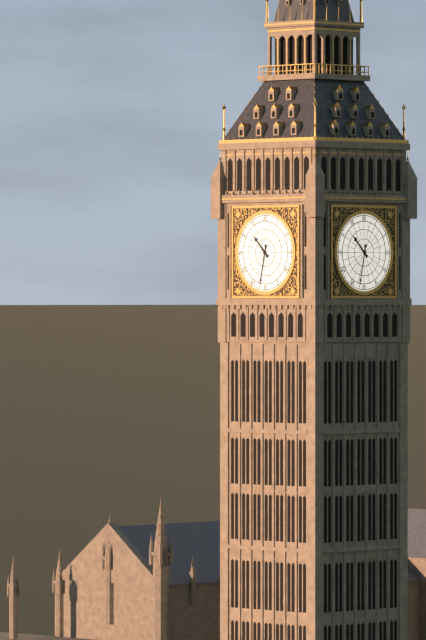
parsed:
10,32
